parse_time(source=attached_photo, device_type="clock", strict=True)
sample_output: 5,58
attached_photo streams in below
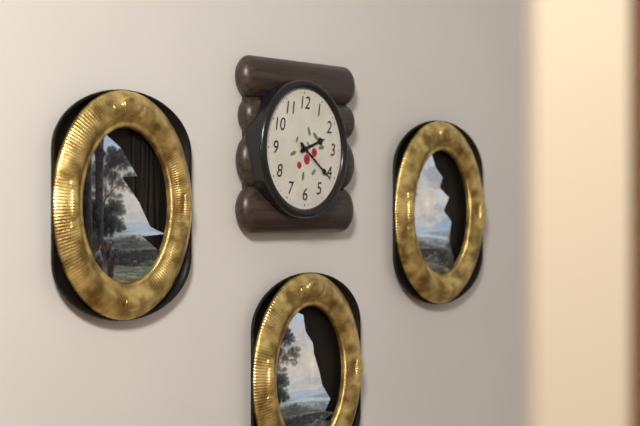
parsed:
2,21
